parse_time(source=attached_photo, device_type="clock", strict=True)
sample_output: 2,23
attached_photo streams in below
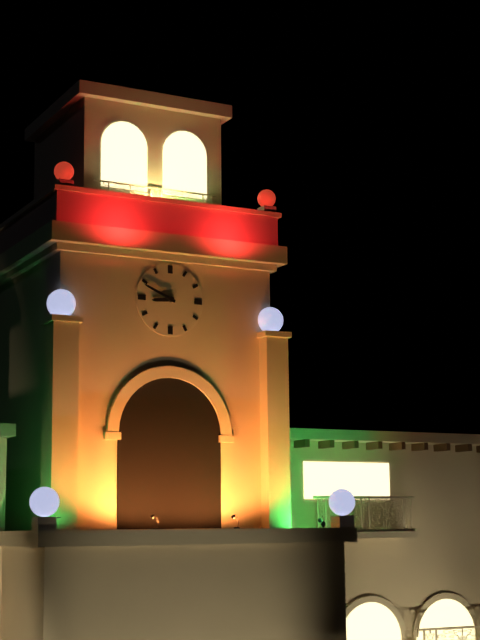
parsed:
8,49
